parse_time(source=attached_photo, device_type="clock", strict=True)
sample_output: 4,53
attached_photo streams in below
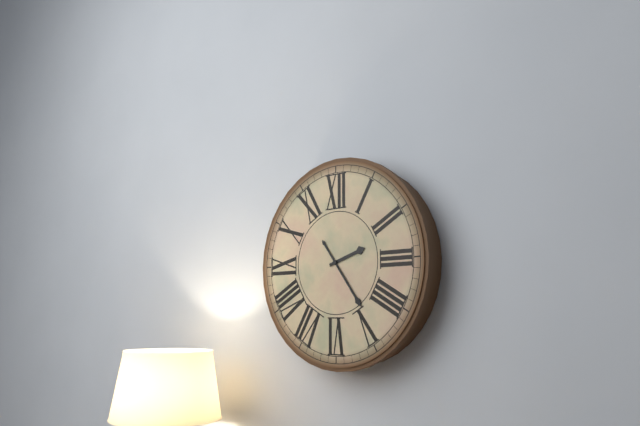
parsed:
2,24
